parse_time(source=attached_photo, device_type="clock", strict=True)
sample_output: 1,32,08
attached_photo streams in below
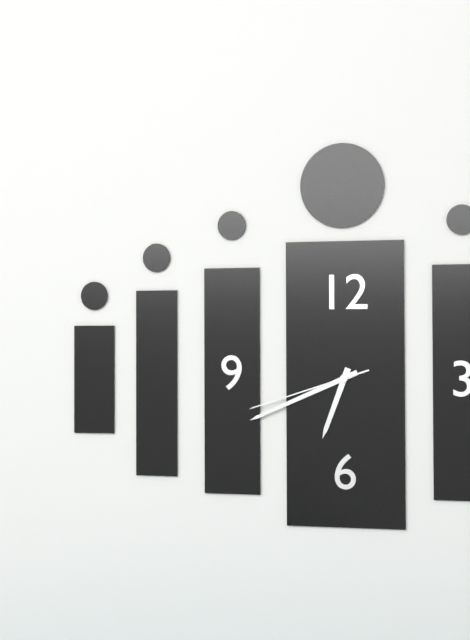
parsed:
6,41,42
